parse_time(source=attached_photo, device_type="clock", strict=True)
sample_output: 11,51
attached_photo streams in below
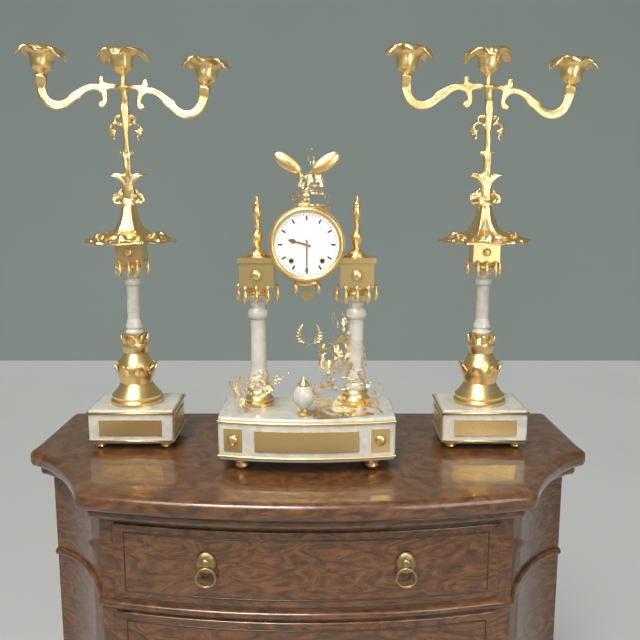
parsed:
9,30
